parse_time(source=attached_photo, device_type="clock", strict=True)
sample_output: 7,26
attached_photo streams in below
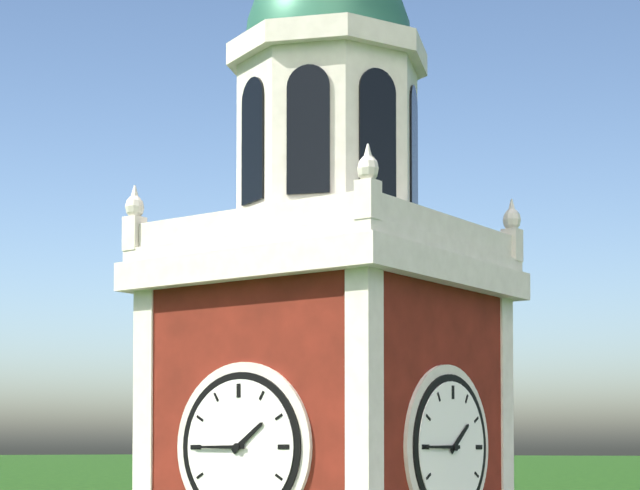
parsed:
1,45
